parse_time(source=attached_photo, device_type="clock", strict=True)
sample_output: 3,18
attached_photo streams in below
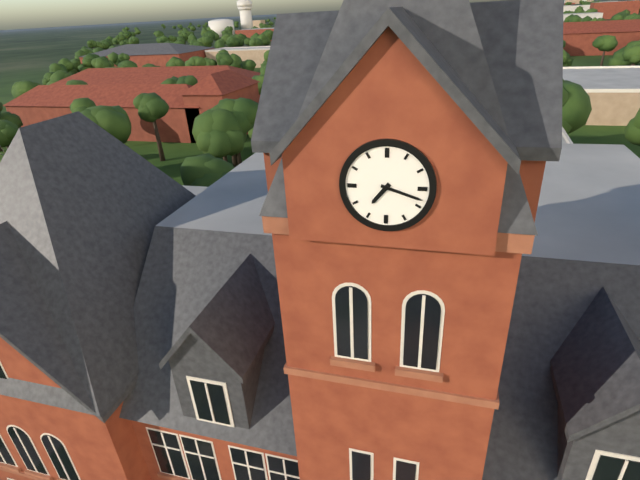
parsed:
7,18
